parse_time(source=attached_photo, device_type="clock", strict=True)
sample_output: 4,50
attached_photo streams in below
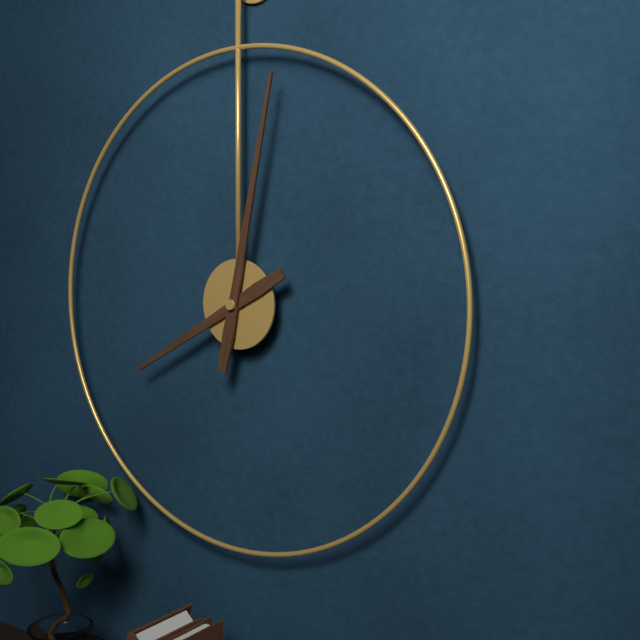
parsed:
8,02
